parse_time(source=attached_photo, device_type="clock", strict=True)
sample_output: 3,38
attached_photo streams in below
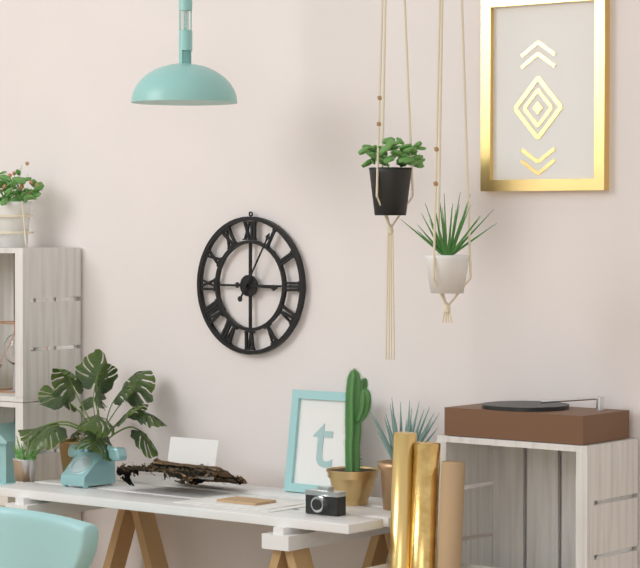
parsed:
3,05
